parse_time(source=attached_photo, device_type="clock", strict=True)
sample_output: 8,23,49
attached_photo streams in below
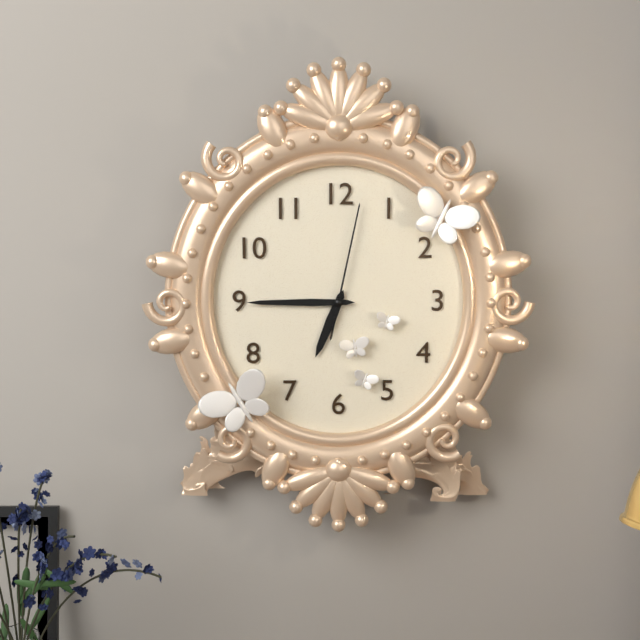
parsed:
6,45,02
